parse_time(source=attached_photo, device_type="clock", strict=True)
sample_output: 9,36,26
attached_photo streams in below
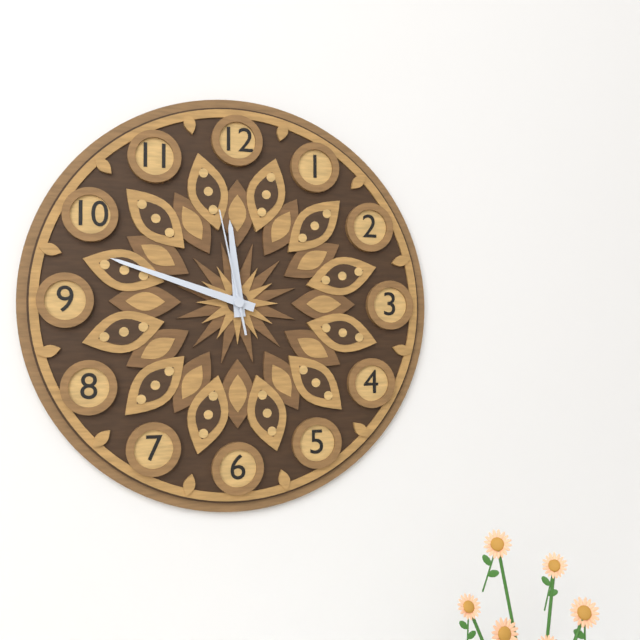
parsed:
11,48,58
